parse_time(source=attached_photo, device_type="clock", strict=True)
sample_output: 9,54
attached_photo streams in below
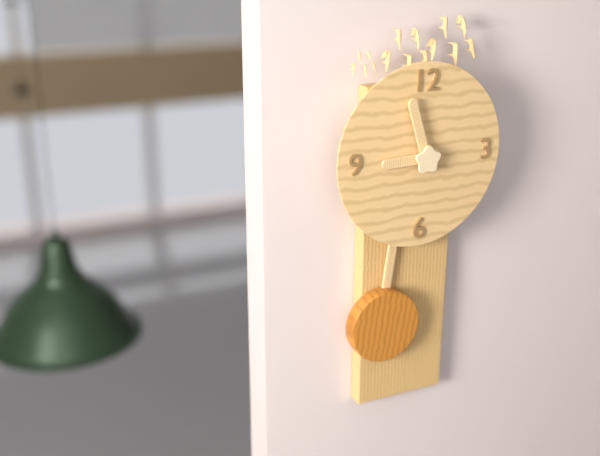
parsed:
8,57
